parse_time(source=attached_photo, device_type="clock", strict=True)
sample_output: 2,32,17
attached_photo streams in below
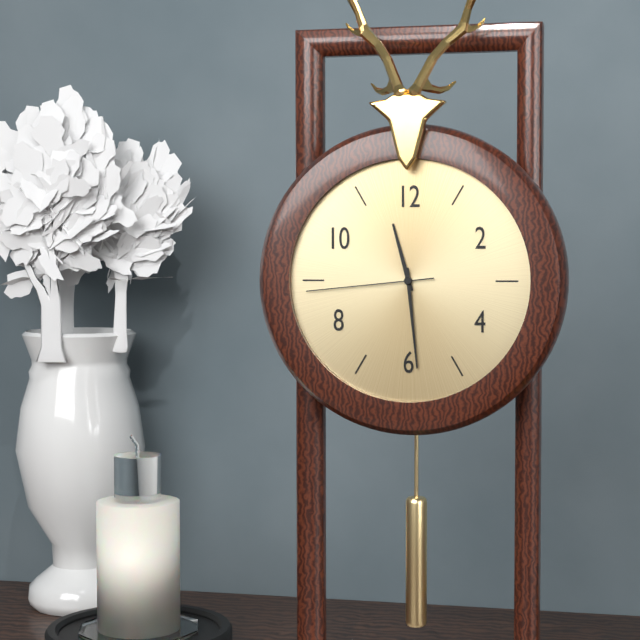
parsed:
11,29,44
